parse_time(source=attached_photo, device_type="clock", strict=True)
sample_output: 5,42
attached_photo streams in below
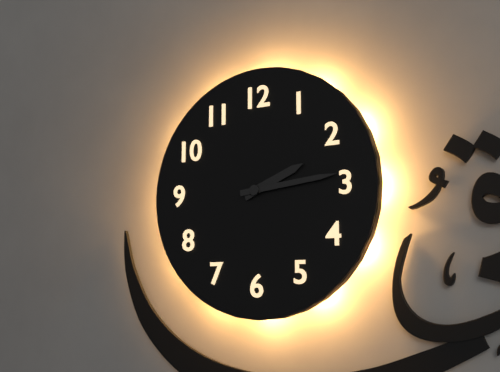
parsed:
2,14
